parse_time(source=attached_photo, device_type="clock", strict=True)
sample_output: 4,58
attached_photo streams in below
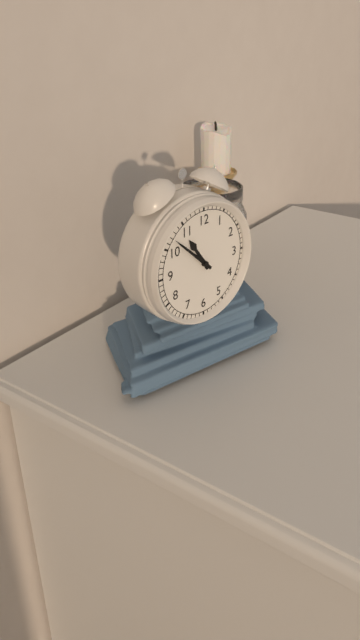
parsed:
10,52
